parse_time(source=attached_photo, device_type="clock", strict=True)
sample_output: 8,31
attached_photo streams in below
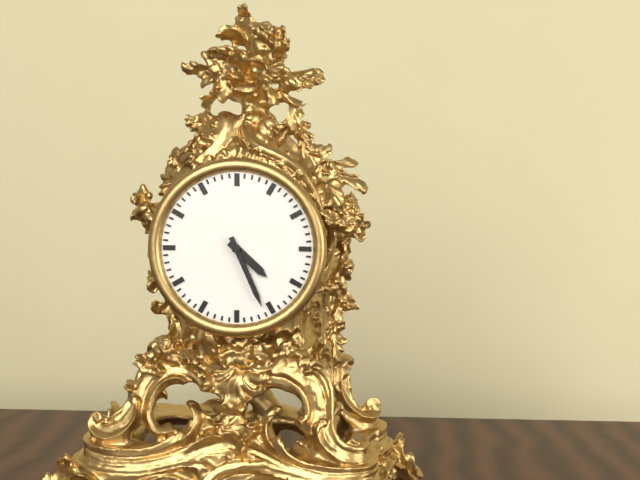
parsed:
4,26
